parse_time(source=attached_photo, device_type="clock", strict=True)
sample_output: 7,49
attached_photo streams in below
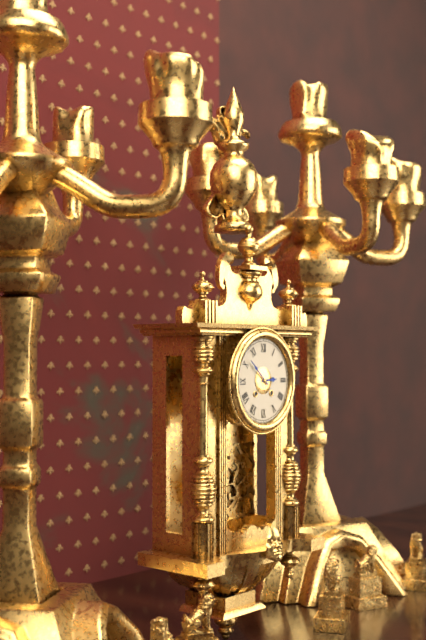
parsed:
2,52
